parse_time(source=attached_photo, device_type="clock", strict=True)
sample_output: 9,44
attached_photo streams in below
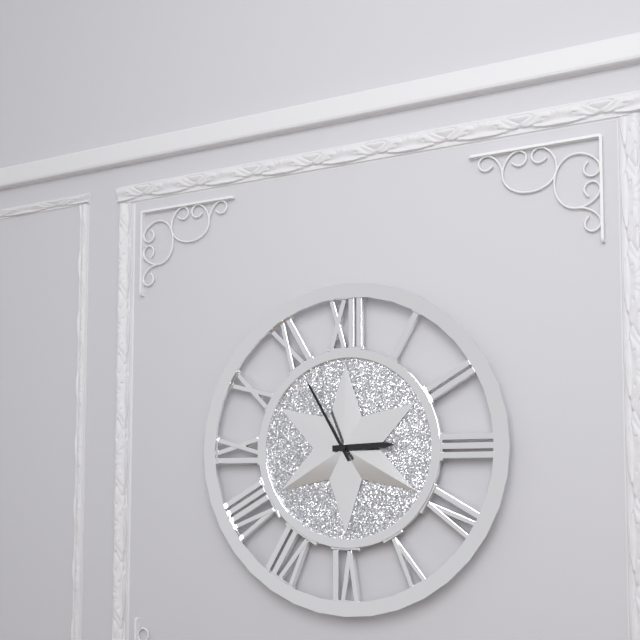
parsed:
2,55
